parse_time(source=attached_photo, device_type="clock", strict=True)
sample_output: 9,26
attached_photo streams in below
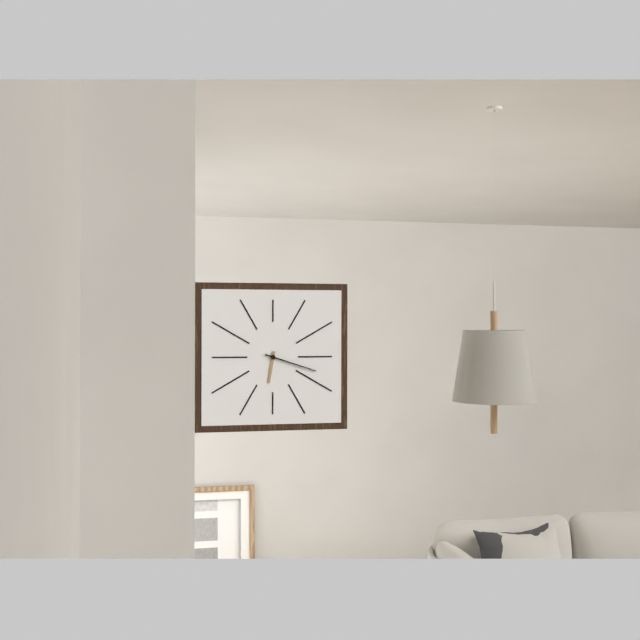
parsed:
6,18
